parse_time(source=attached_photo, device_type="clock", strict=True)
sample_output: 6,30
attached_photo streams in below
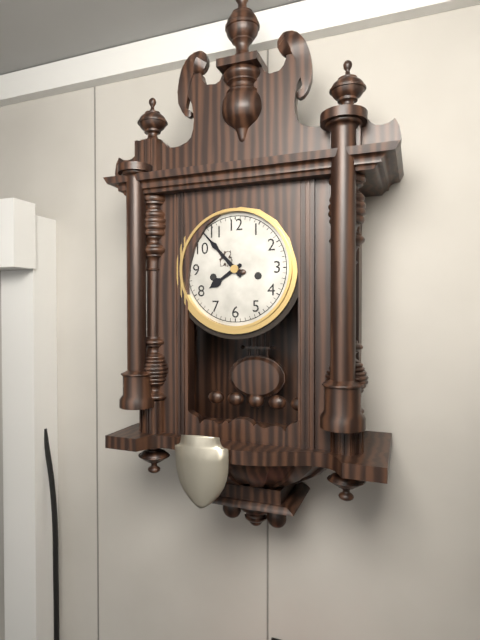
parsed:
7,53
